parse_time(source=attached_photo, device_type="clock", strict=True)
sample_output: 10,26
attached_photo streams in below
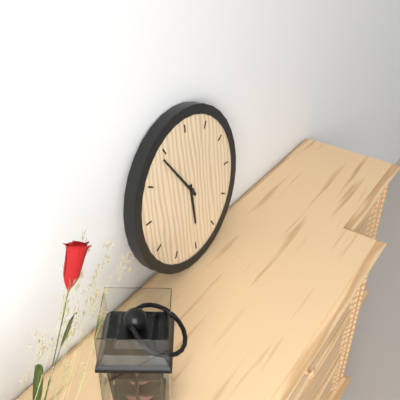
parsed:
5,54
